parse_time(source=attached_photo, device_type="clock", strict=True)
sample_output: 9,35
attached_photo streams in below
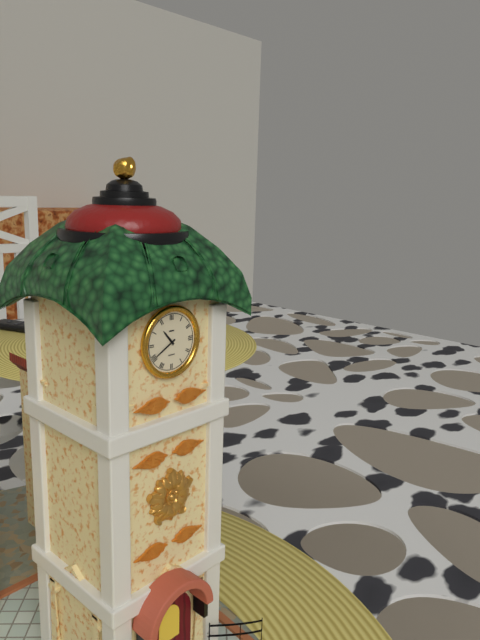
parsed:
10,40
